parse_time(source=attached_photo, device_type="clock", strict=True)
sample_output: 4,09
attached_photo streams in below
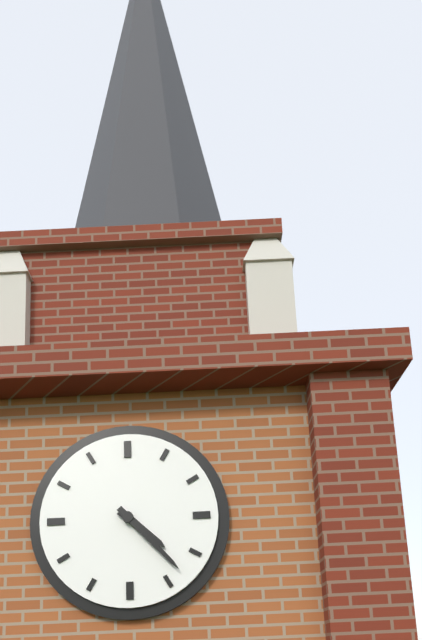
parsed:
4,23
